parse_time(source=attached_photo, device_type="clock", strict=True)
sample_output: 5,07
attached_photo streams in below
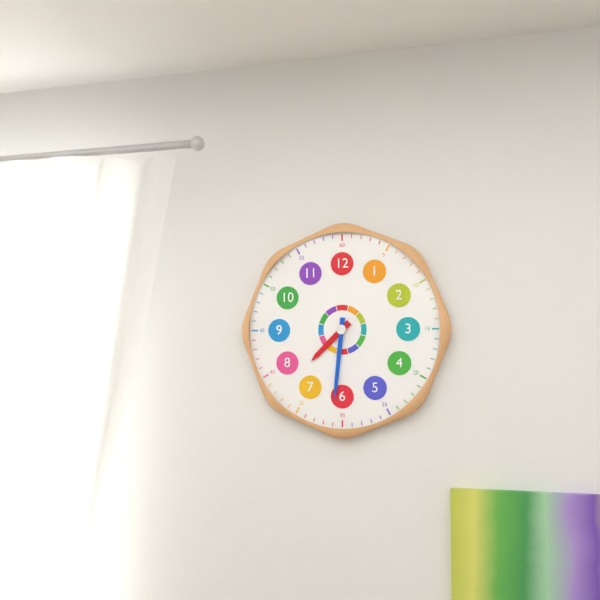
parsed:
7,31
